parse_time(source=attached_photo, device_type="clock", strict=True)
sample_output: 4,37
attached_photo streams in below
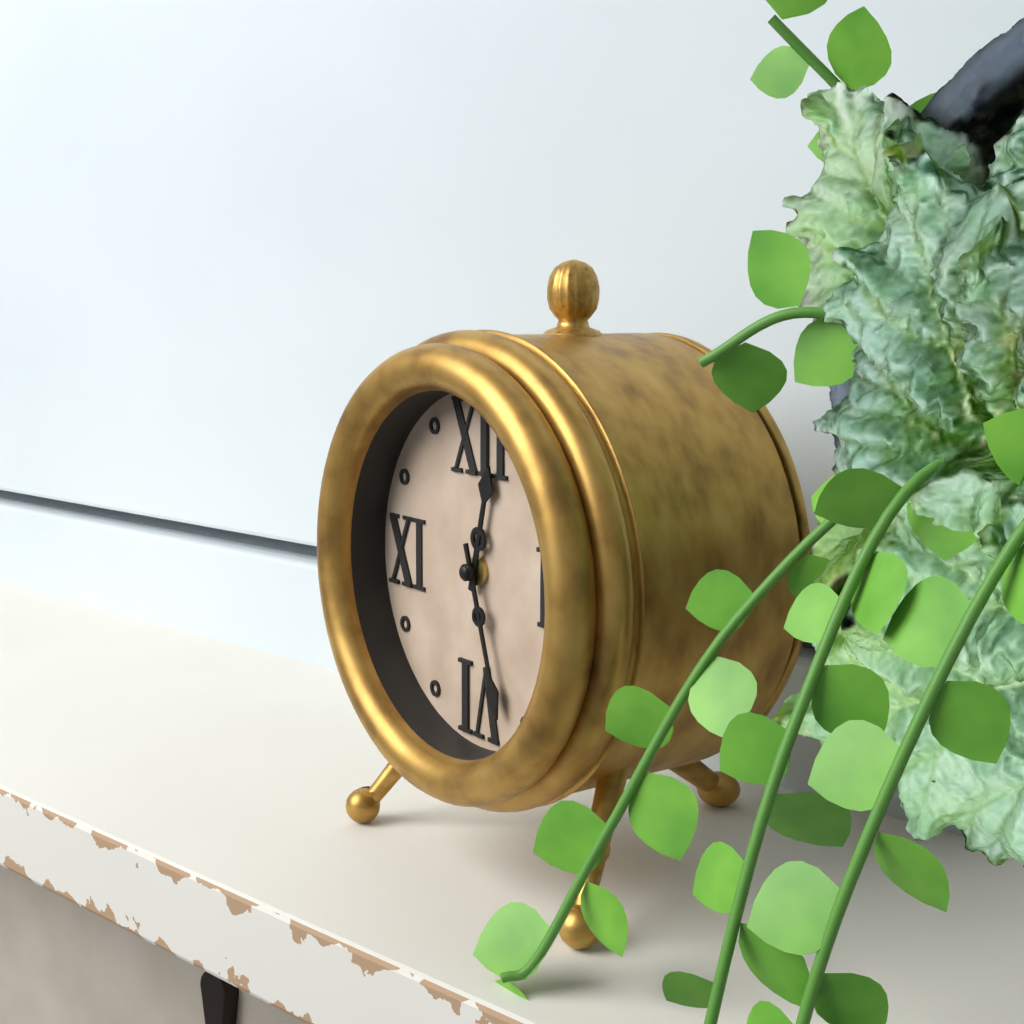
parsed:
12,27
